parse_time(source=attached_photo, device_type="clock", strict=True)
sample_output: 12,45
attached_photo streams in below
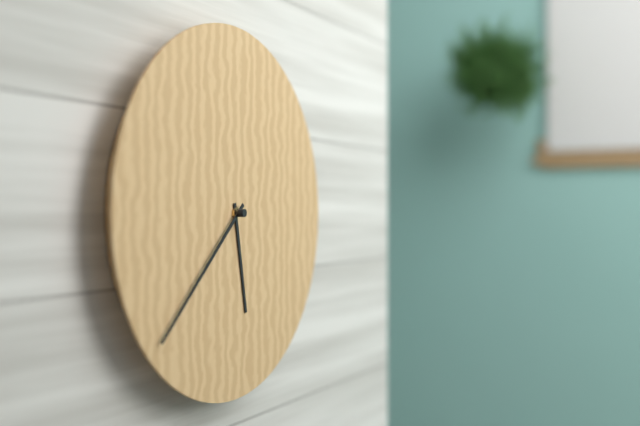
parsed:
5,38
